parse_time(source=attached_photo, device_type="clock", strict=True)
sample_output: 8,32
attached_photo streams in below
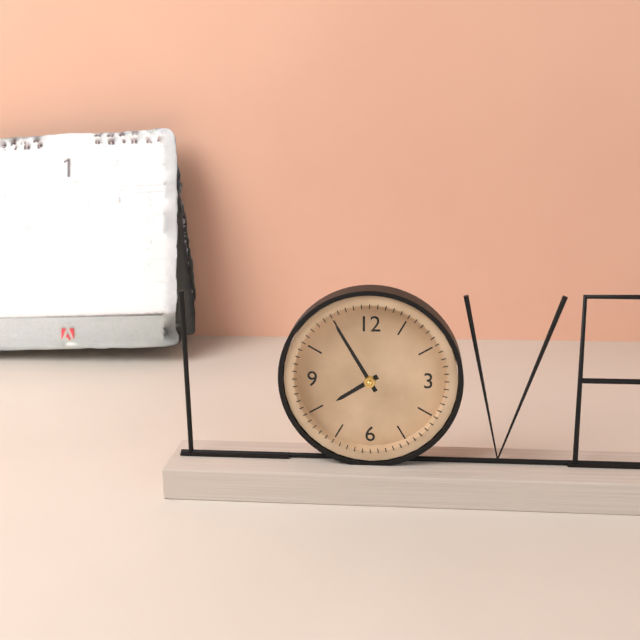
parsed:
7,55
